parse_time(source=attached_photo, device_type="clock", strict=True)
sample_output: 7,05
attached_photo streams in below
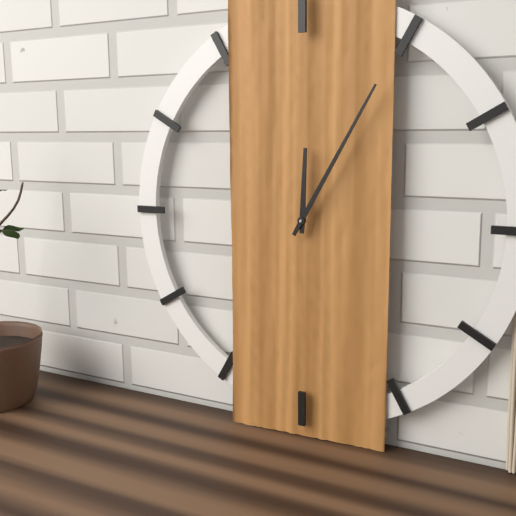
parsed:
12,05
